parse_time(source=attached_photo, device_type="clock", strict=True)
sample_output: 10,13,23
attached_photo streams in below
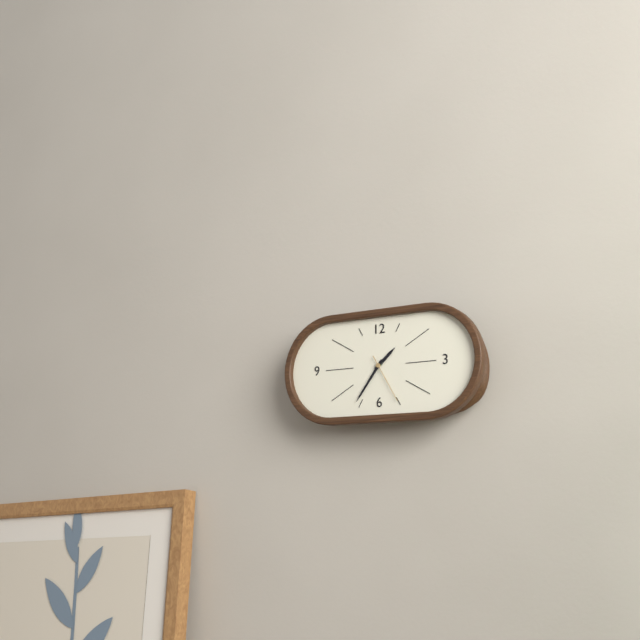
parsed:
1,36,25
